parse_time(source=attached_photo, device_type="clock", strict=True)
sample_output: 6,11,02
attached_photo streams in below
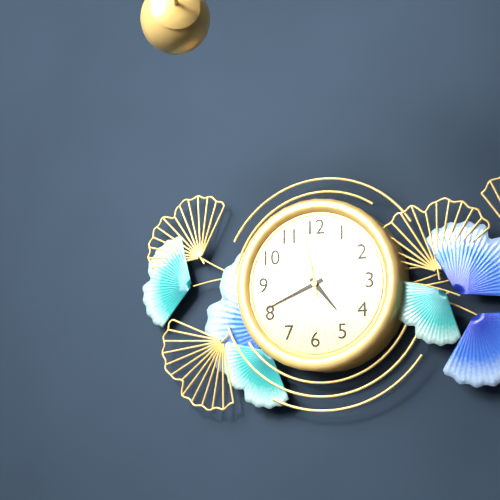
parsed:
4,41,58
